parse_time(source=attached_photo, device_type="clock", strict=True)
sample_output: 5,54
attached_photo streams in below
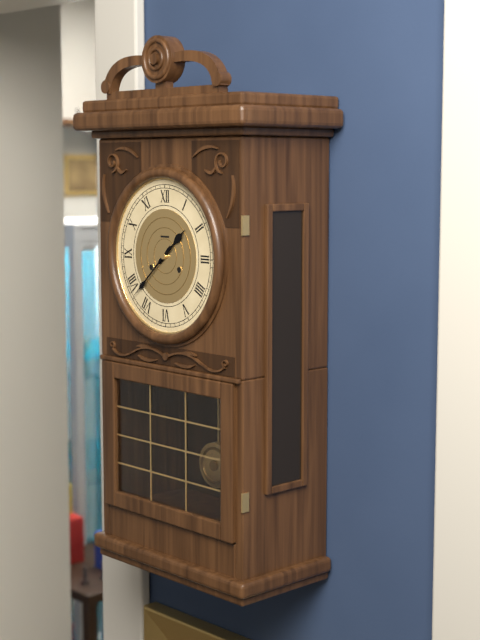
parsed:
1,38
